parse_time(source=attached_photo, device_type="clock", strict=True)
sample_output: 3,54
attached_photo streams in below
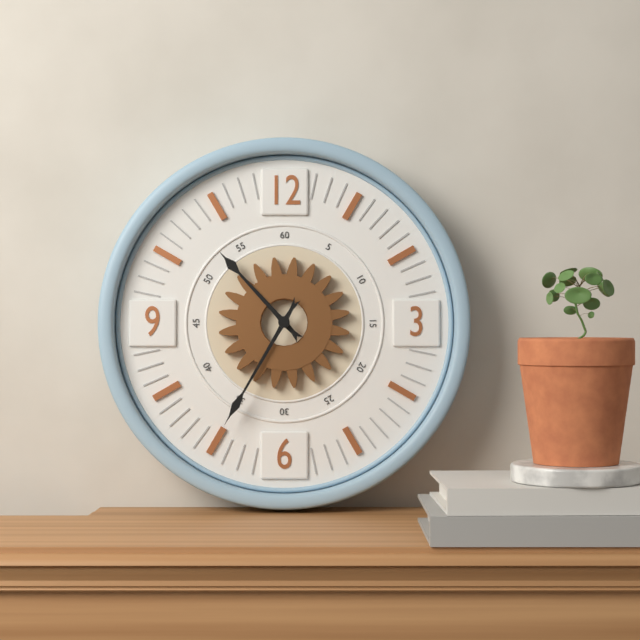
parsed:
10,35
